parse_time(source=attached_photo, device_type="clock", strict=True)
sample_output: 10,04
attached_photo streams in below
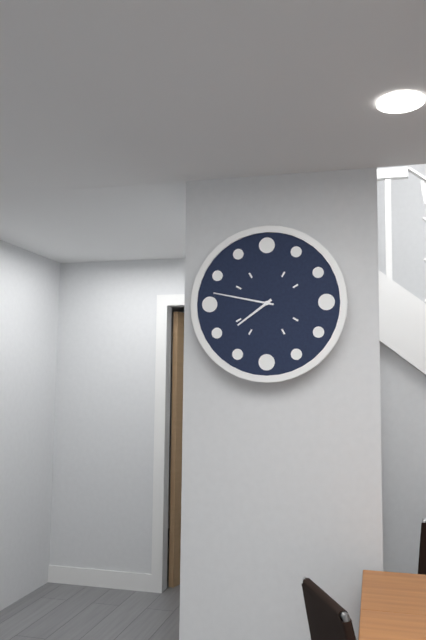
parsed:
7,47
